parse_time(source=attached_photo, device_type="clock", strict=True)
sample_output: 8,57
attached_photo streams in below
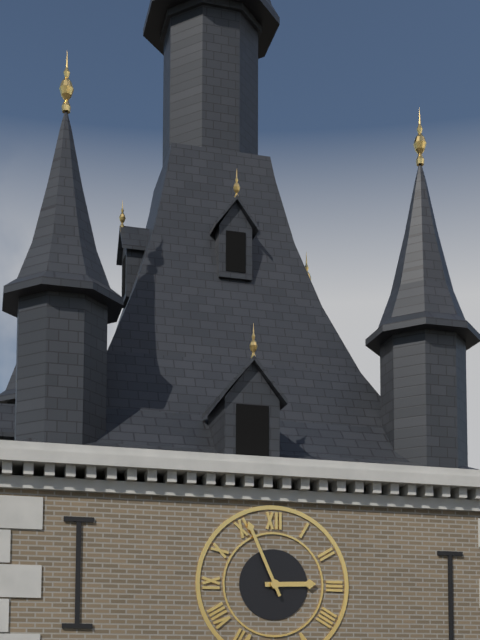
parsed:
2,56
